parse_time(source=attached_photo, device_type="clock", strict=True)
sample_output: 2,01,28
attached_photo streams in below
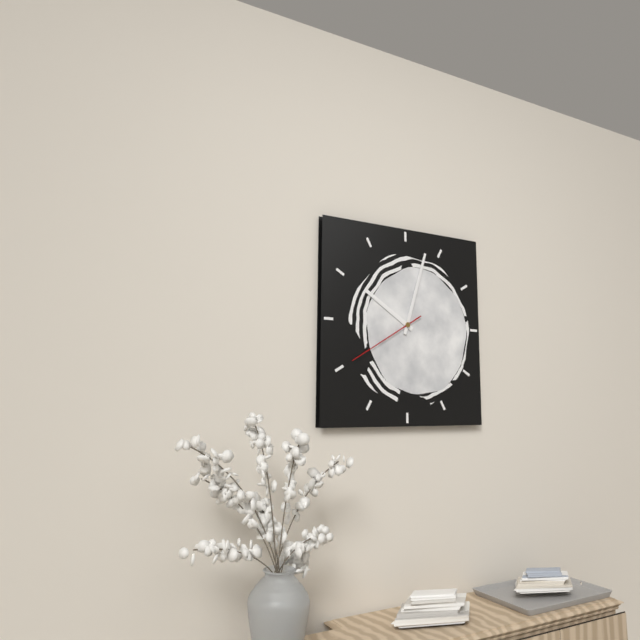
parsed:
10,03,40
